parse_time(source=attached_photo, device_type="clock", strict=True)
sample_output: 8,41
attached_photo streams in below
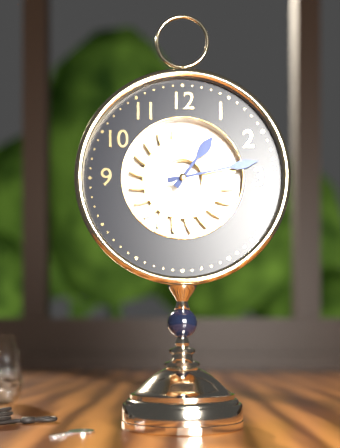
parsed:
1,13
